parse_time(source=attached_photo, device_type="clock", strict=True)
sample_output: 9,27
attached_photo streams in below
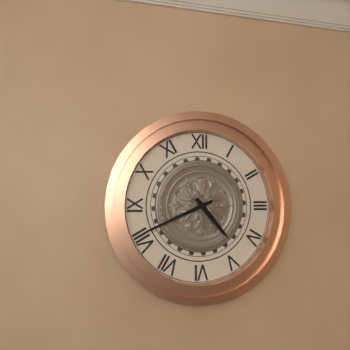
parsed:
4,41
